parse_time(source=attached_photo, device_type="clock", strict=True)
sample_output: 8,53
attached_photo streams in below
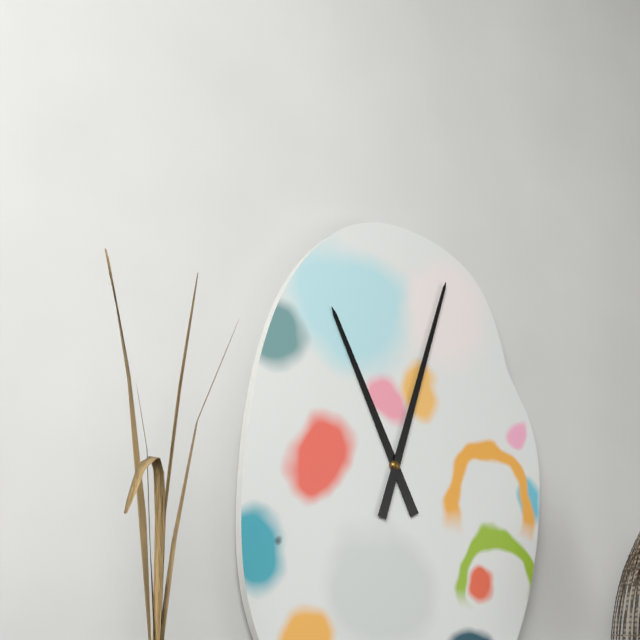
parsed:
11,03
